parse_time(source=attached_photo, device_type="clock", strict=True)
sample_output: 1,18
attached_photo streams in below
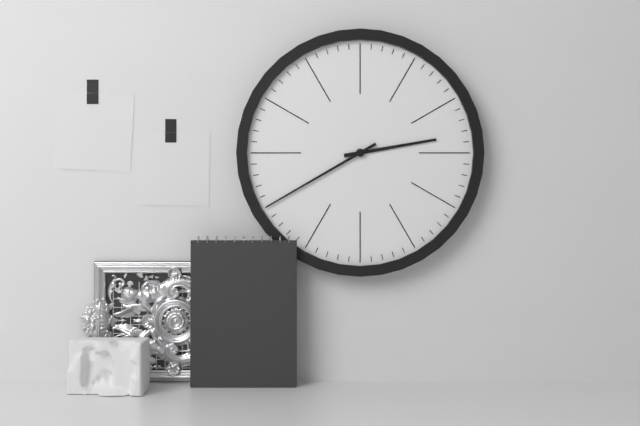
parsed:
2,40
